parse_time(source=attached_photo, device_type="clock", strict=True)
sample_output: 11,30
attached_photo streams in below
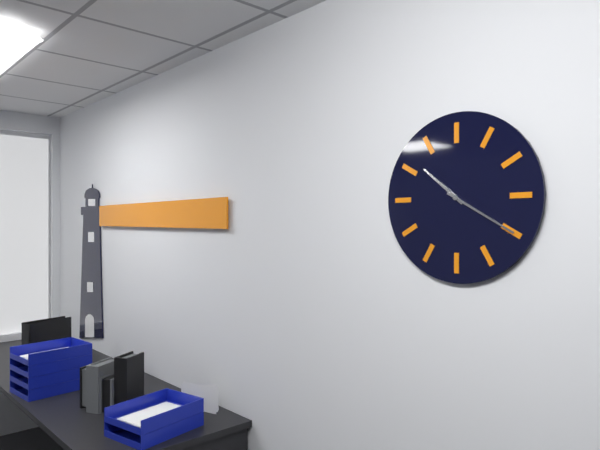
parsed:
10,20
